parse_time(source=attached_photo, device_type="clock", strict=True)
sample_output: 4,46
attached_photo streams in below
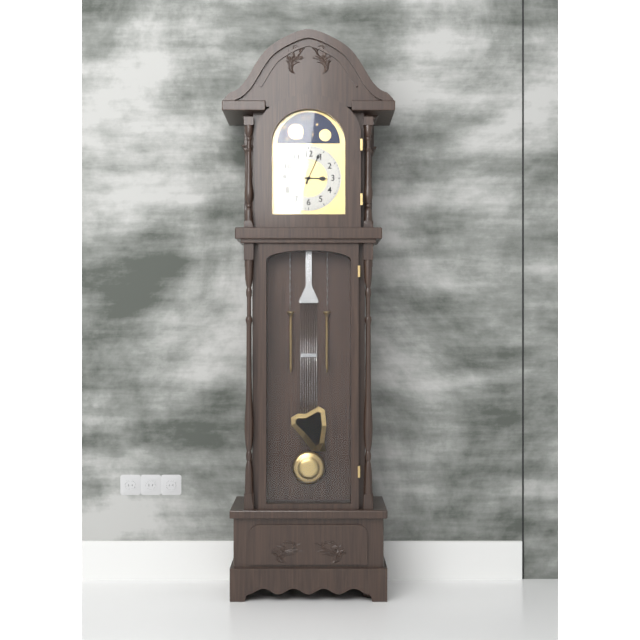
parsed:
3,04
